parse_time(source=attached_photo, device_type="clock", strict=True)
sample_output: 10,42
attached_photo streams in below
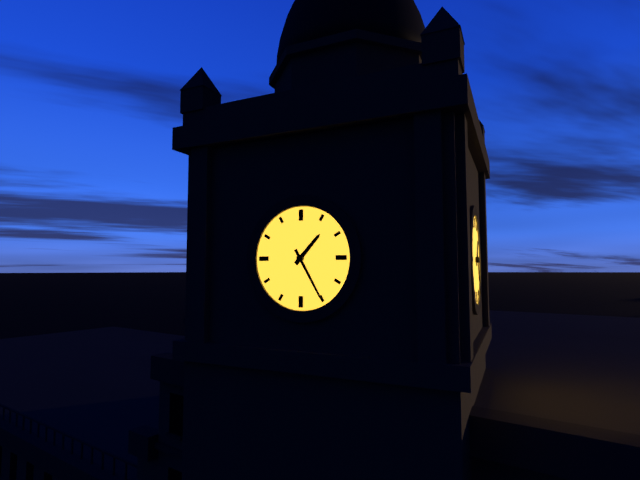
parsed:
1,25
